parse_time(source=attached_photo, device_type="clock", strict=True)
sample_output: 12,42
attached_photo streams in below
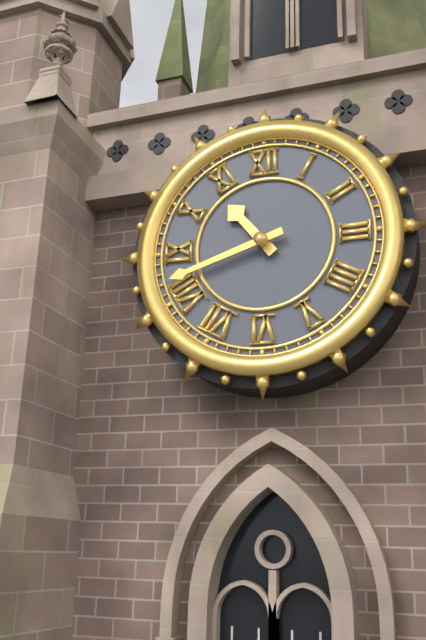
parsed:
10,42
